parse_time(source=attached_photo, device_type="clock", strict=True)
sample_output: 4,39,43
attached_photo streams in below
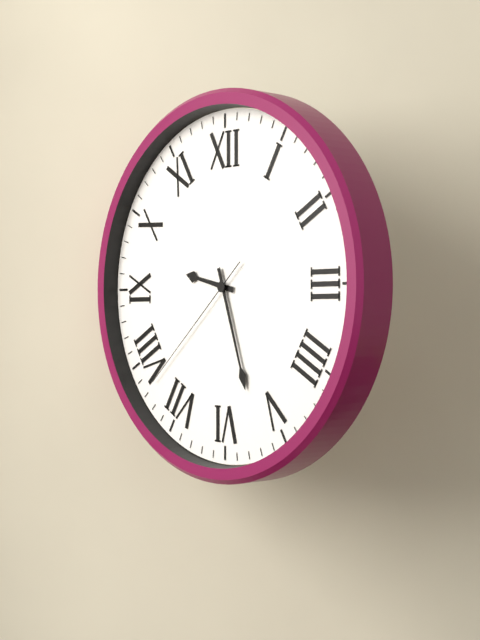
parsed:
9,27,38
